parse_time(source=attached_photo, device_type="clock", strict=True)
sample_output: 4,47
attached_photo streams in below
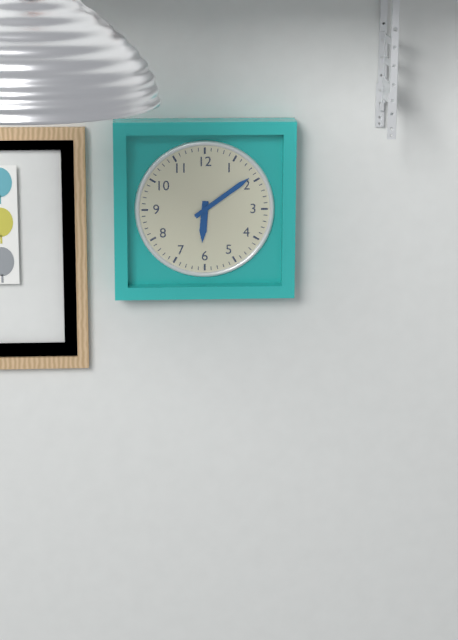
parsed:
6,09
